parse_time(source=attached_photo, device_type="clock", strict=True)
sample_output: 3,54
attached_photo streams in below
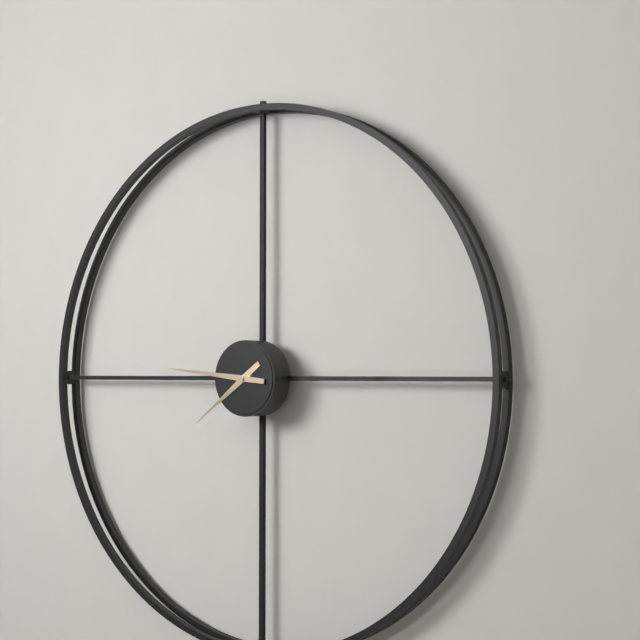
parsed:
7,46
